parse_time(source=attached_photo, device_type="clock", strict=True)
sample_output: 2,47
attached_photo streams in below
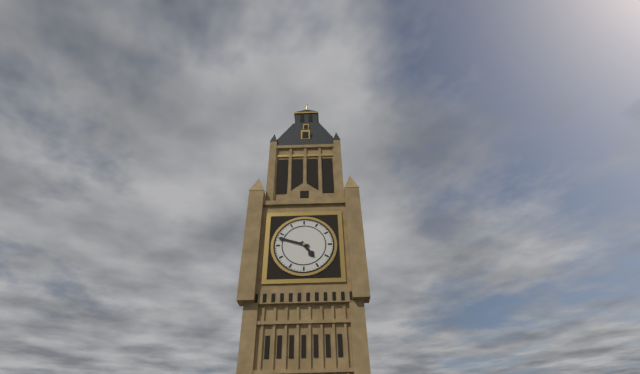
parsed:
4,48
